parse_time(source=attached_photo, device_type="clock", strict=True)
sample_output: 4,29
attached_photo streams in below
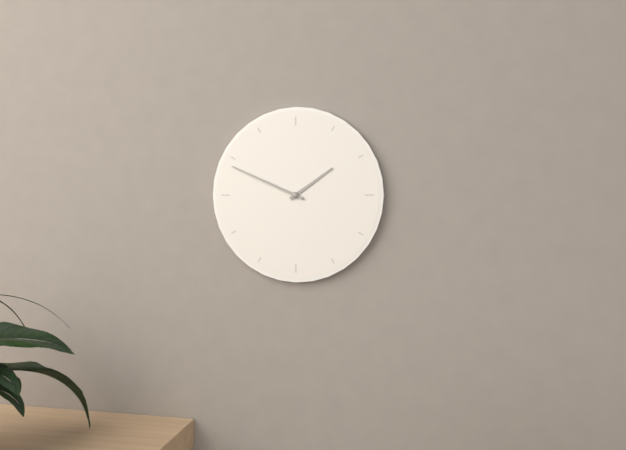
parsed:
1,49
